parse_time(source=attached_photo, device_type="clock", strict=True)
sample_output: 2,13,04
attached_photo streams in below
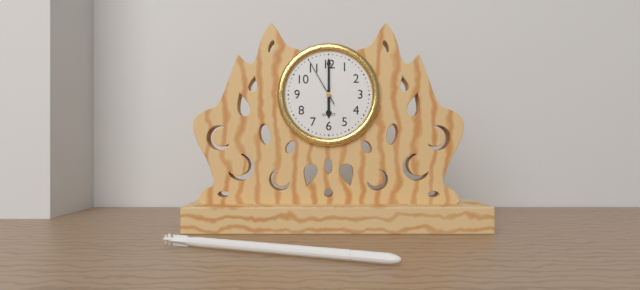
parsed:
6,00,55
